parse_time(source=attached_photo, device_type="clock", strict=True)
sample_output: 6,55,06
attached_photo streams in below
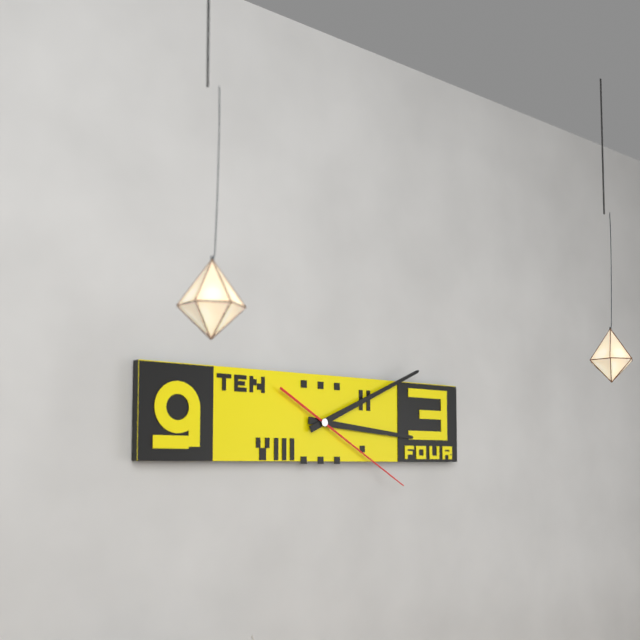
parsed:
3,11,20
